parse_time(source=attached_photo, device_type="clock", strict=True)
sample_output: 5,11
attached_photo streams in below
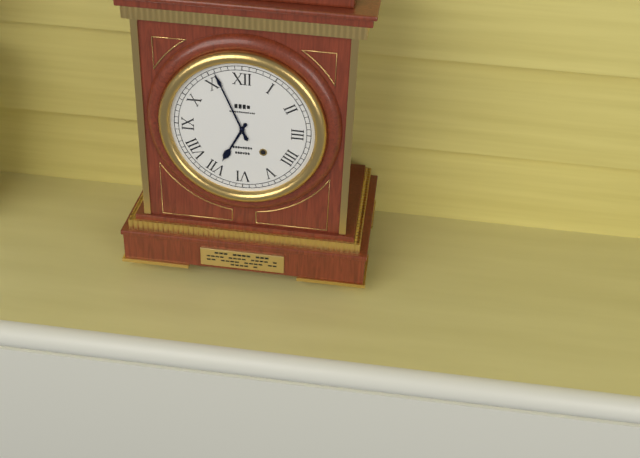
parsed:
6,56
